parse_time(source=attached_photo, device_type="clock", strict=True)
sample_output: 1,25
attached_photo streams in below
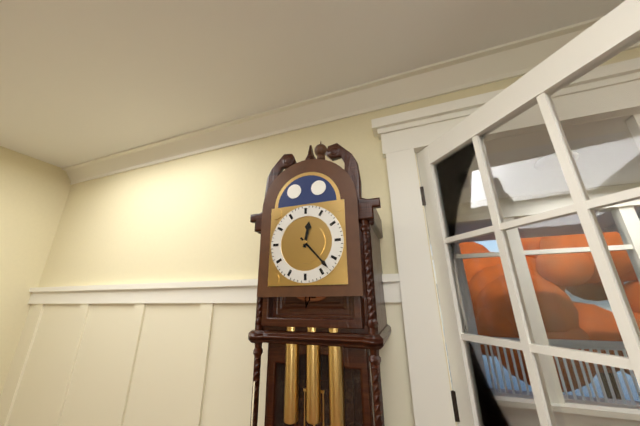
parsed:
12,23
